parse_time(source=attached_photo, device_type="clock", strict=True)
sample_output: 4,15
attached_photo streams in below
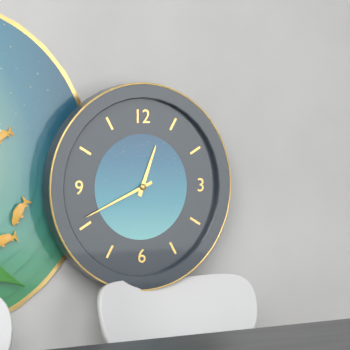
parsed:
12,41
